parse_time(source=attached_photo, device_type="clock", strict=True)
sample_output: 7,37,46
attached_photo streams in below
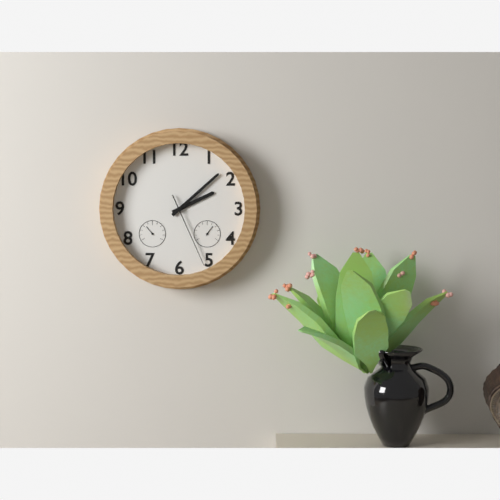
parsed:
2,08,26
